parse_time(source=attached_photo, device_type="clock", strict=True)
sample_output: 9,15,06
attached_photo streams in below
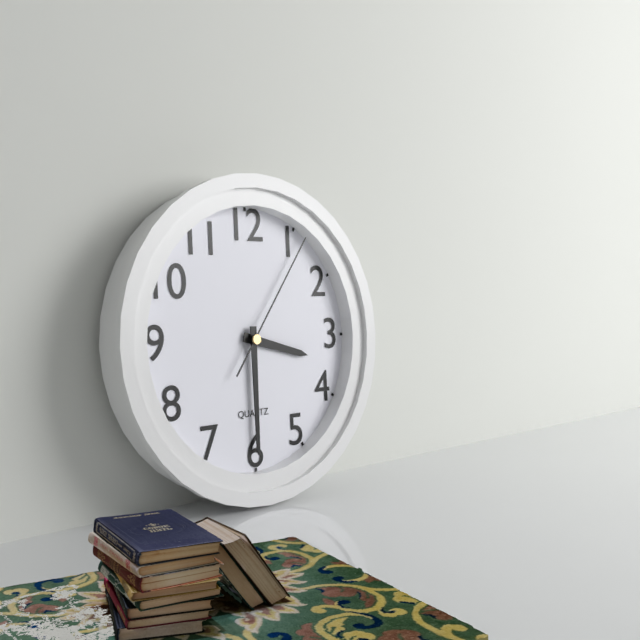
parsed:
3,30,06
